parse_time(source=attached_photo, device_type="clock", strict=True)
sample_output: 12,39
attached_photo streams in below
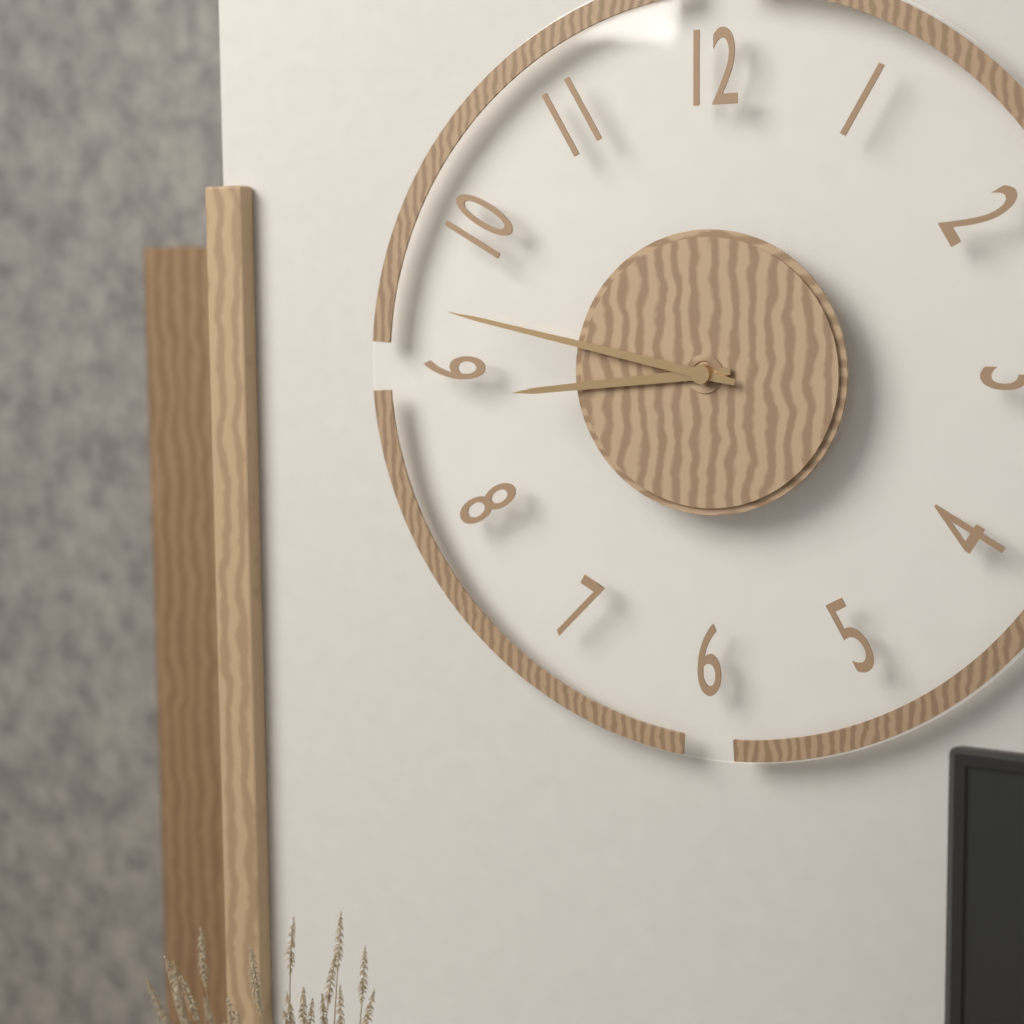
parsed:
8,47
